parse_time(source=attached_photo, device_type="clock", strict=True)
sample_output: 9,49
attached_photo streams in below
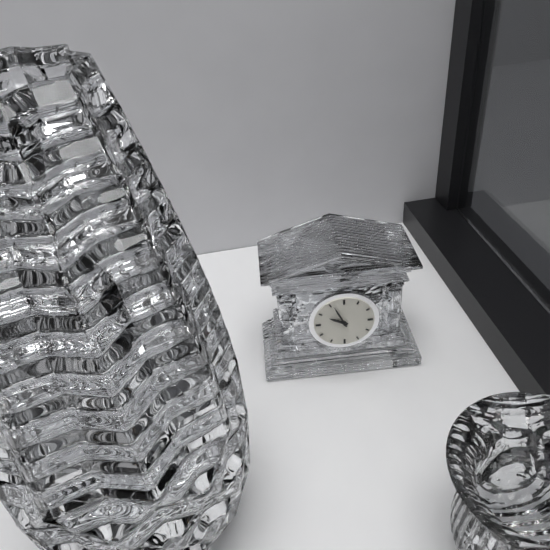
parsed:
9,56
